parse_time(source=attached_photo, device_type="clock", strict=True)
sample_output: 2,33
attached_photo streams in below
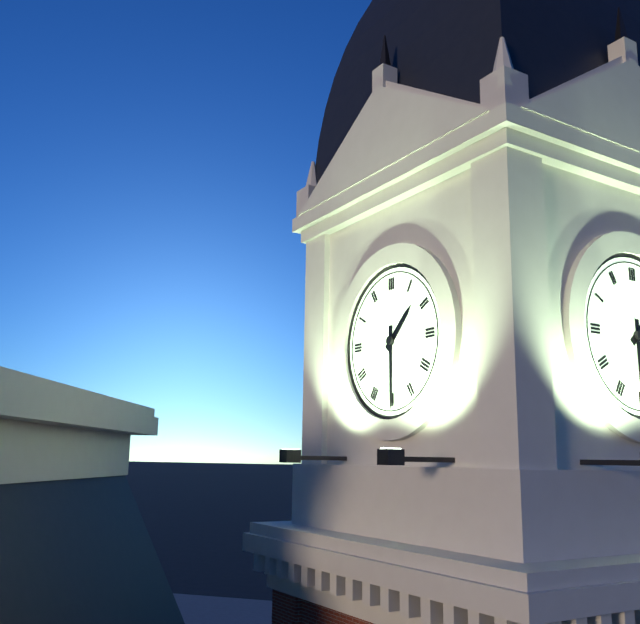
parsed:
1,30
